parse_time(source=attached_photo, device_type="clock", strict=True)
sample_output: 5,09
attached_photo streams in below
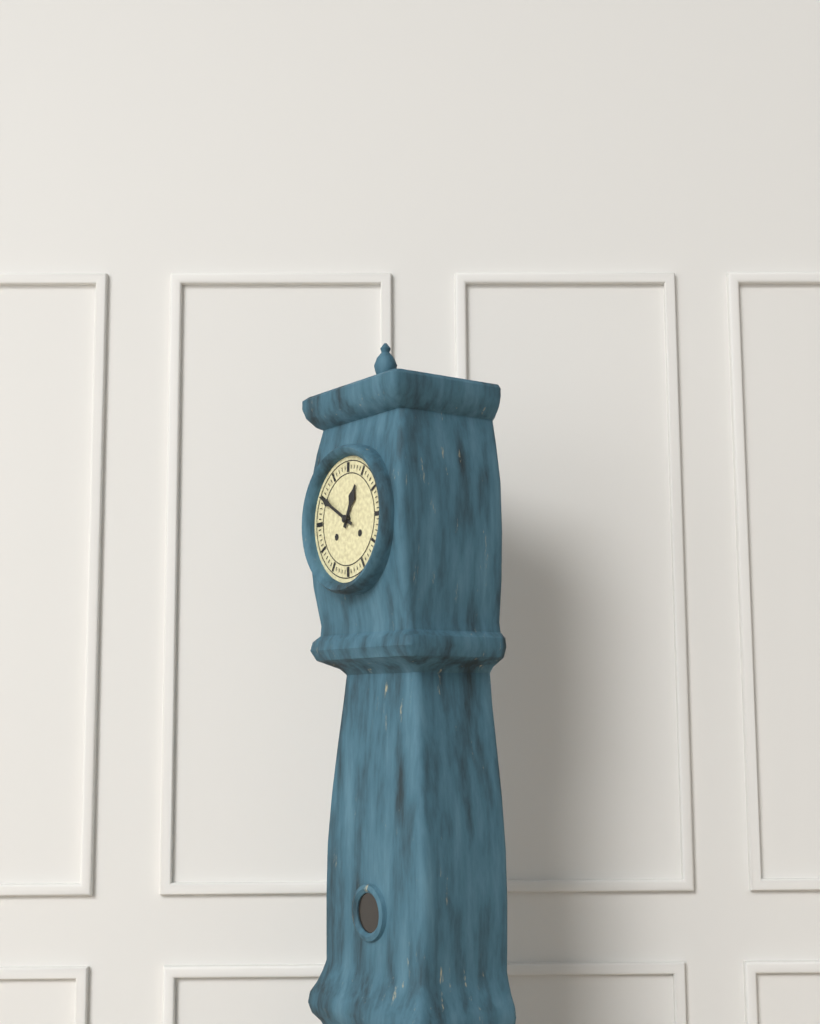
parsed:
12,50
